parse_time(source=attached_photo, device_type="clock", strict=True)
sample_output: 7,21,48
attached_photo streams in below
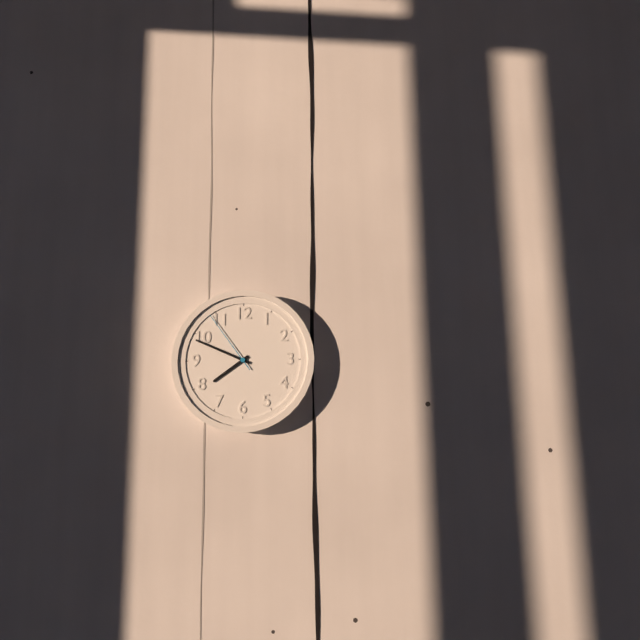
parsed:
7,49,54
